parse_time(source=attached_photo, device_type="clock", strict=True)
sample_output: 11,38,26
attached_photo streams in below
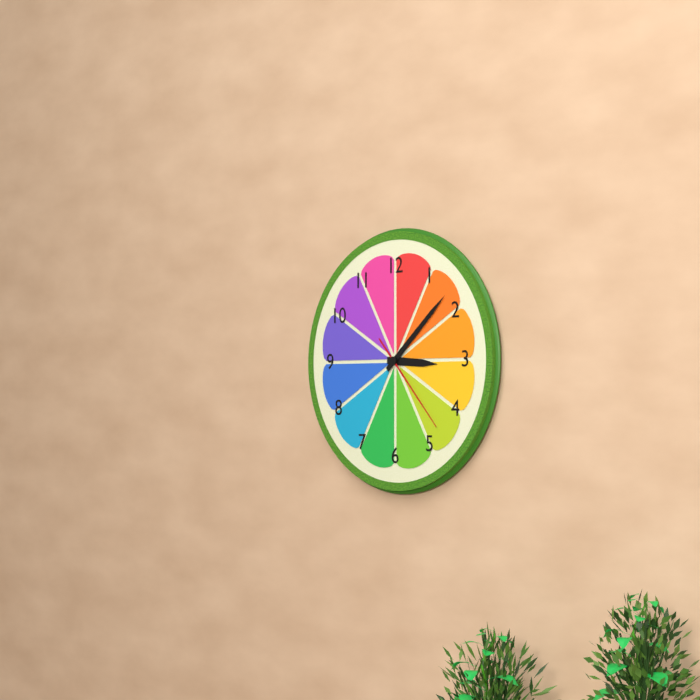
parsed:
3,08,23
